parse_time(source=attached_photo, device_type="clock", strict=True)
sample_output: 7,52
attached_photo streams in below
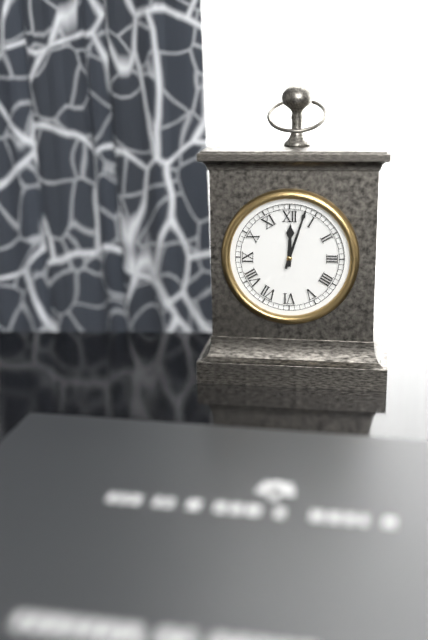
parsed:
12,03
